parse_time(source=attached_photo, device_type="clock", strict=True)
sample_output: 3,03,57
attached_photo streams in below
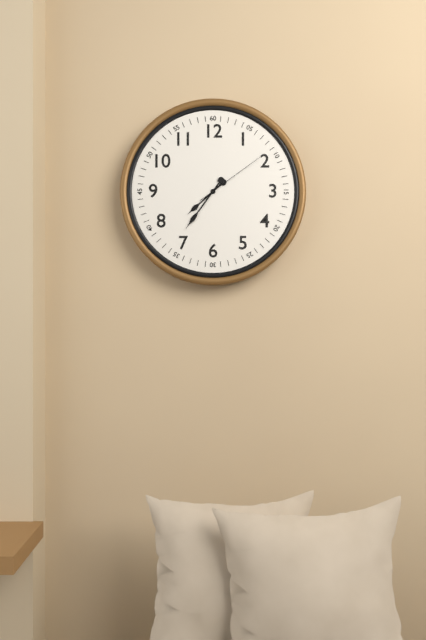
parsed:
7,36,09
